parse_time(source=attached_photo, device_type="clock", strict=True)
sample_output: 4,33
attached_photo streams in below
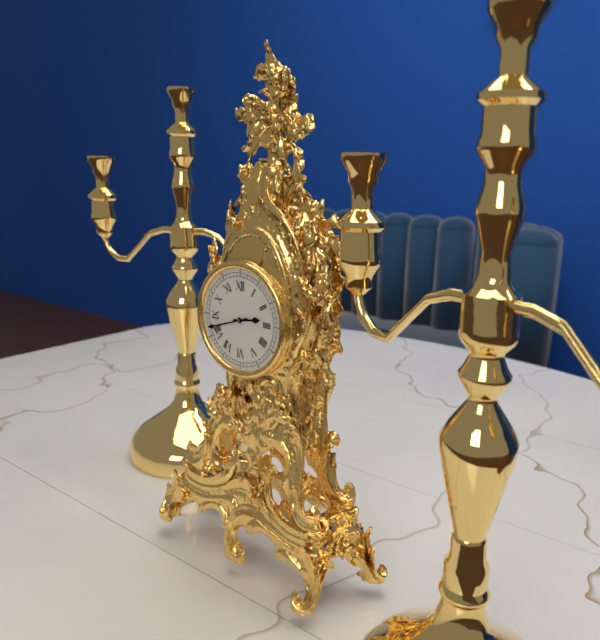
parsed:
2,42
